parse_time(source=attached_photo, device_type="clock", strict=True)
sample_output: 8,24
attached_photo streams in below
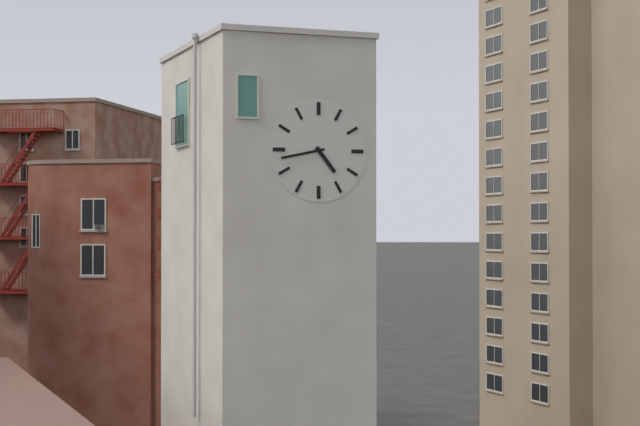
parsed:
4,43
